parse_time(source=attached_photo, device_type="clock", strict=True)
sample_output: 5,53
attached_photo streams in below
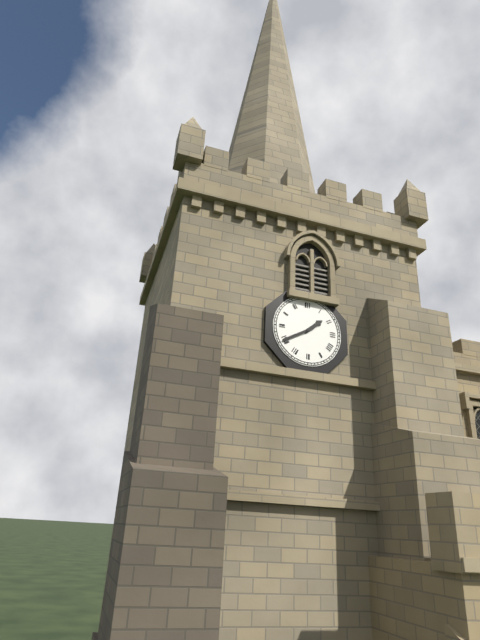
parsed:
1,40
